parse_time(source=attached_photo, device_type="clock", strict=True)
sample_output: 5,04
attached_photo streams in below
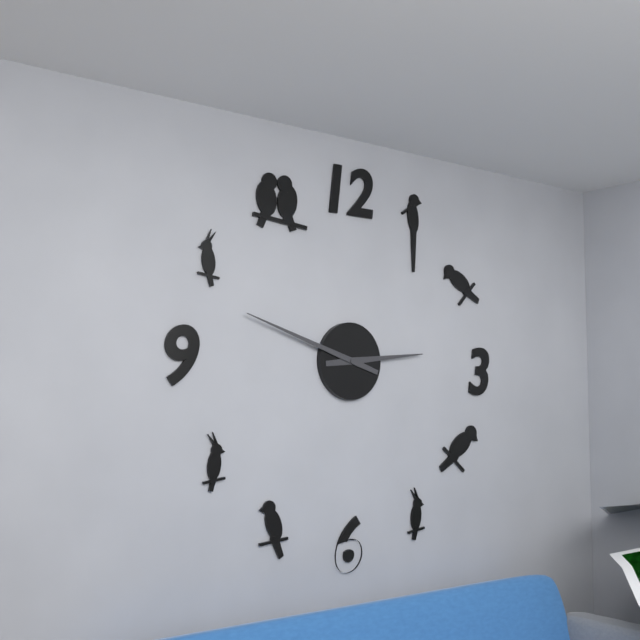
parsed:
2,48
